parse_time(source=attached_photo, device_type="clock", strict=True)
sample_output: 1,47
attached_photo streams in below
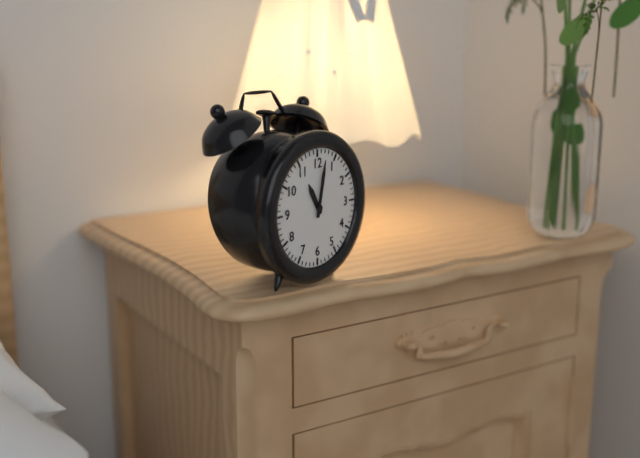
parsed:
11,02
